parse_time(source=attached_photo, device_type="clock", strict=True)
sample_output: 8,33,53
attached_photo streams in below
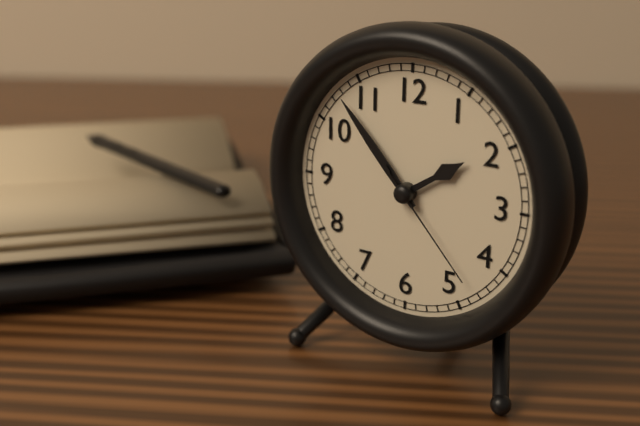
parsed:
1,53,23
